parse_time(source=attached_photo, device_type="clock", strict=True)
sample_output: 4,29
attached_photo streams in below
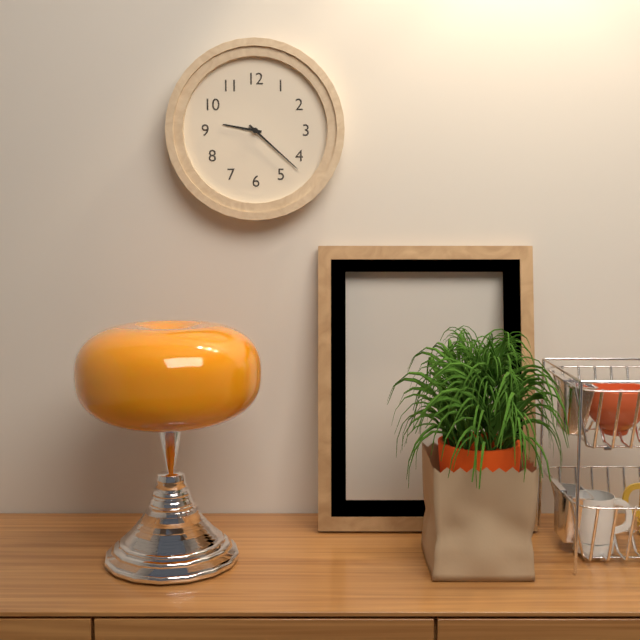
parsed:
9,22
